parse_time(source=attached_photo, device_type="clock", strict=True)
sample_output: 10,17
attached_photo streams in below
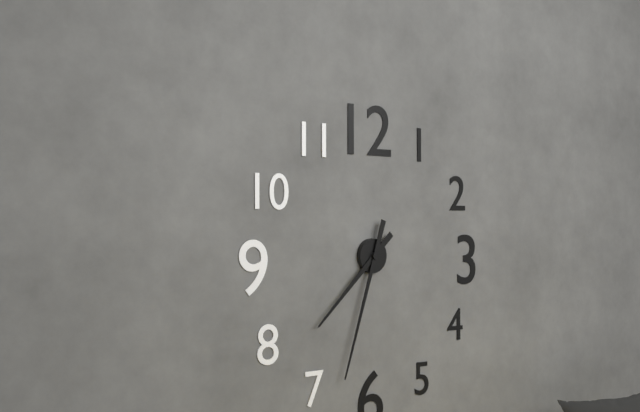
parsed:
7,33
